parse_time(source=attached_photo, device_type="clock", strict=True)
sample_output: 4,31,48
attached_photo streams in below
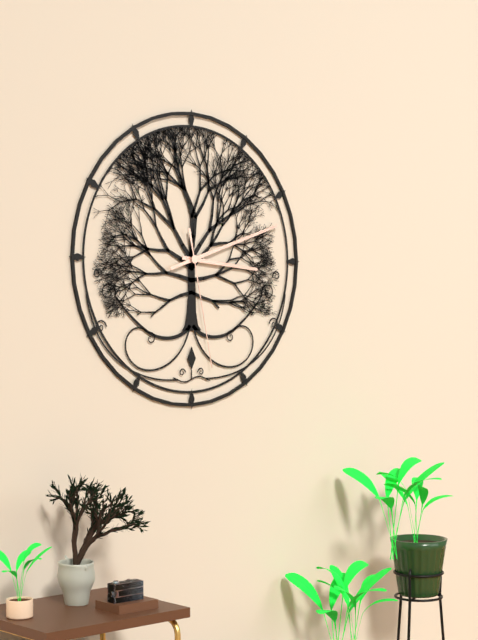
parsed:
3,12,28
